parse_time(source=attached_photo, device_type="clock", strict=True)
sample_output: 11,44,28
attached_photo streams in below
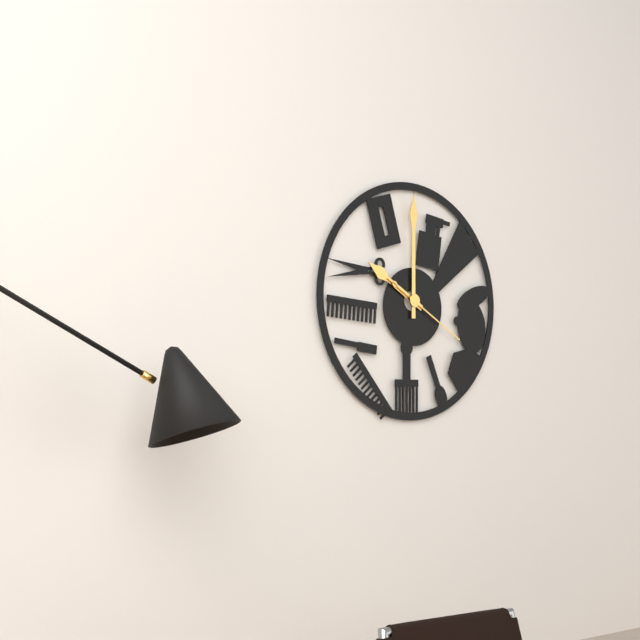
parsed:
10,00,20
